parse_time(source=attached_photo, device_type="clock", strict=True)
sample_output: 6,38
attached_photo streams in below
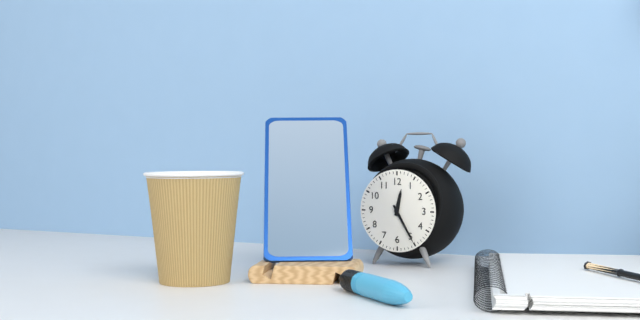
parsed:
12,25
